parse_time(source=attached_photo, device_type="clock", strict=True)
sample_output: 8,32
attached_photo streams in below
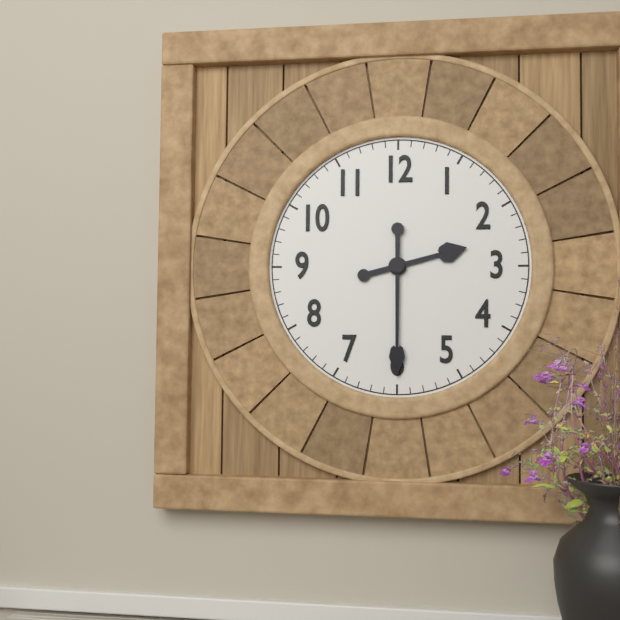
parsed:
2,30
